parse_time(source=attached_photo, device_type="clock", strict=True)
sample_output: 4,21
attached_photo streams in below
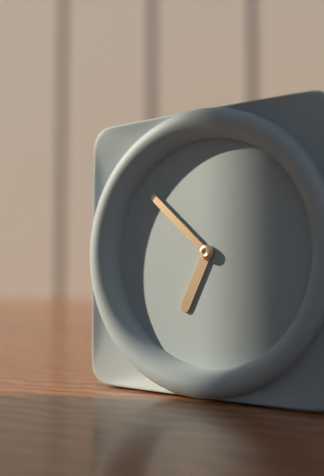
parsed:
6,52
